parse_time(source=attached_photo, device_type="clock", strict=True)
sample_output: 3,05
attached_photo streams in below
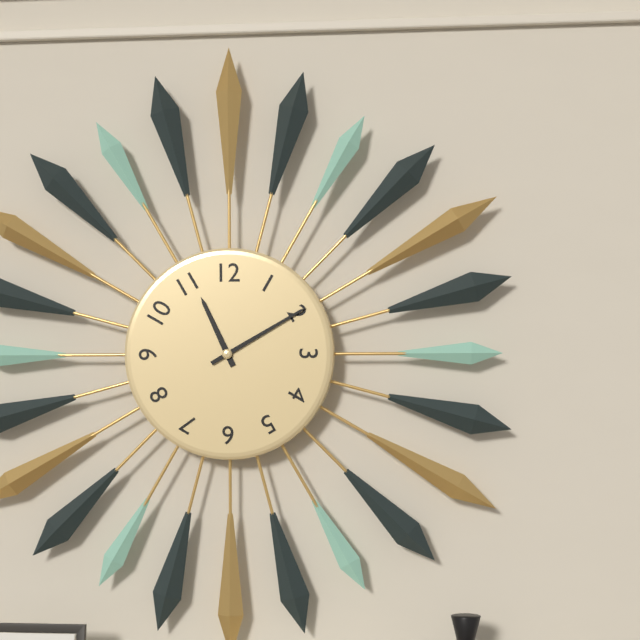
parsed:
11,10
